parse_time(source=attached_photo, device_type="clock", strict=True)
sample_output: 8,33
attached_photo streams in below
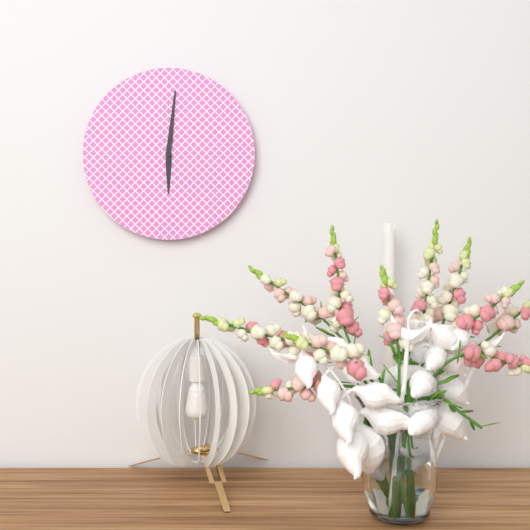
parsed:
6,01
